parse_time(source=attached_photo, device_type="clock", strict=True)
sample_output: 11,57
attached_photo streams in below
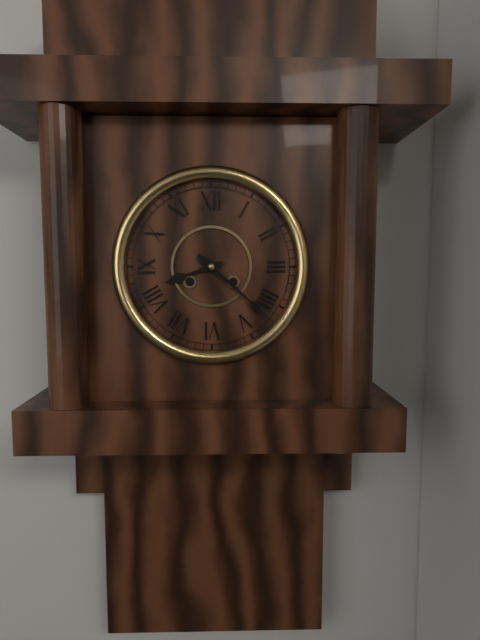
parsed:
8,22
